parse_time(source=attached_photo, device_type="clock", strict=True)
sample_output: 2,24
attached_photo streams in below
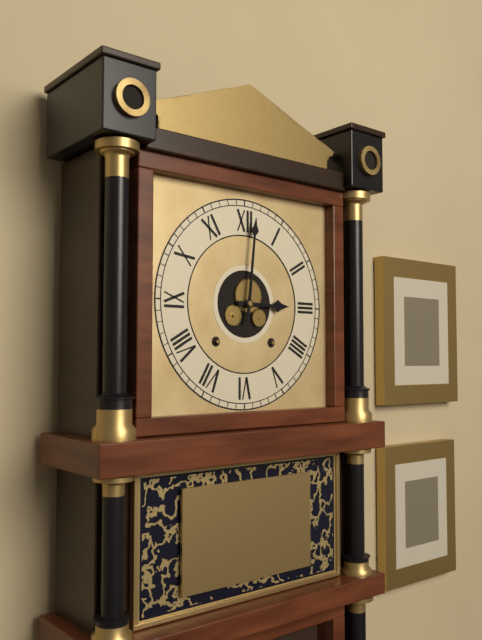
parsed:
3,01
